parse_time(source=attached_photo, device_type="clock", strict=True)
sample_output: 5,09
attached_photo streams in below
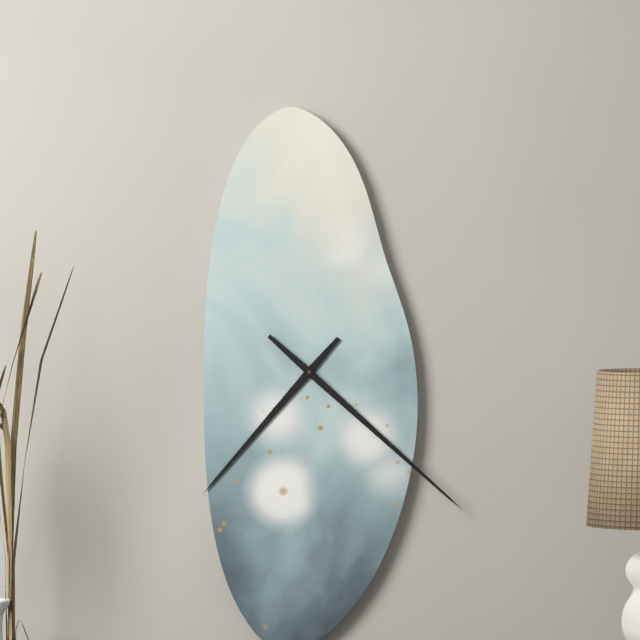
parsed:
7,22
